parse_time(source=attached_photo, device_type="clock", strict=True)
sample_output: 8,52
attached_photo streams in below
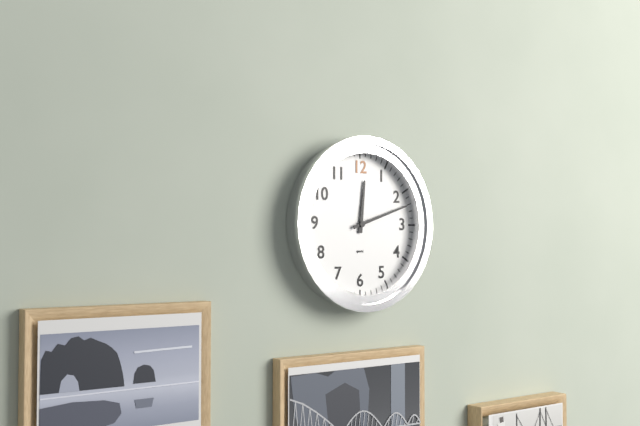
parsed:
12,12
